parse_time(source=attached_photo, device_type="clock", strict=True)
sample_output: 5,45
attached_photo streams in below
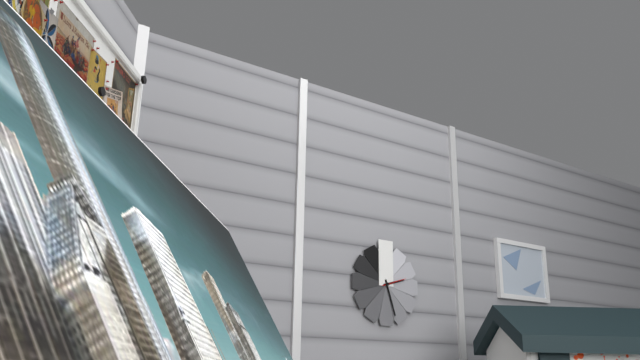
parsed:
2,27
